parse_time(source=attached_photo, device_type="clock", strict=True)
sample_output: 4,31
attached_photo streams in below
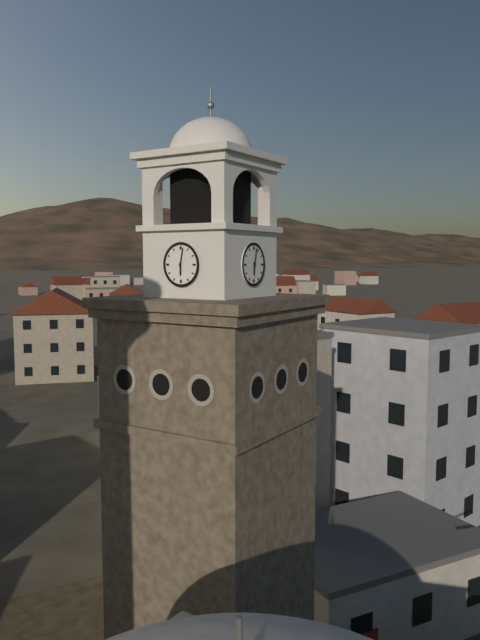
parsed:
6,02
